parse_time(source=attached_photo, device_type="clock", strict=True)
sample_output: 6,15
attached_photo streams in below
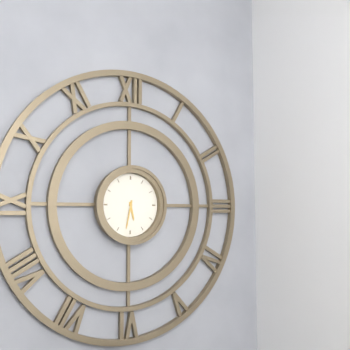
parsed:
5,32
